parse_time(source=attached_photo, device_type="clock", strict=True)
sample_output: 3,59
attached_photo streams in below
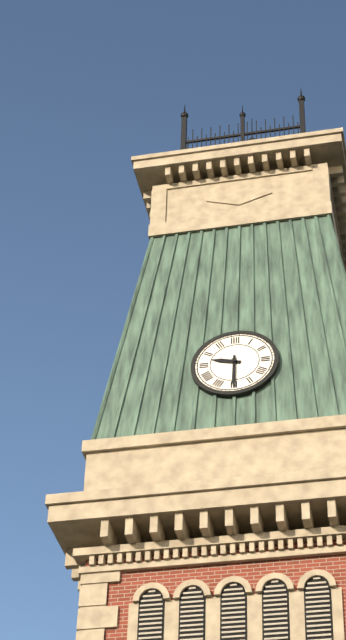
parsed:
9,30
